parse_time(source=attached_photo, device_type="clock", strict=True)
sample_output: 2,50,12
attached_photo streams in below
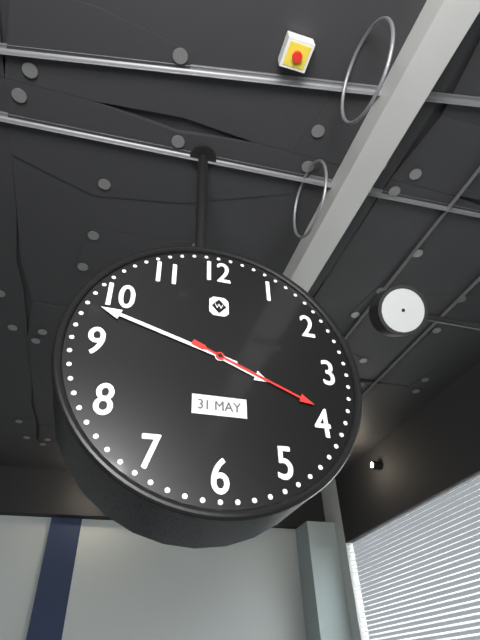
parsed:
3,48,19
